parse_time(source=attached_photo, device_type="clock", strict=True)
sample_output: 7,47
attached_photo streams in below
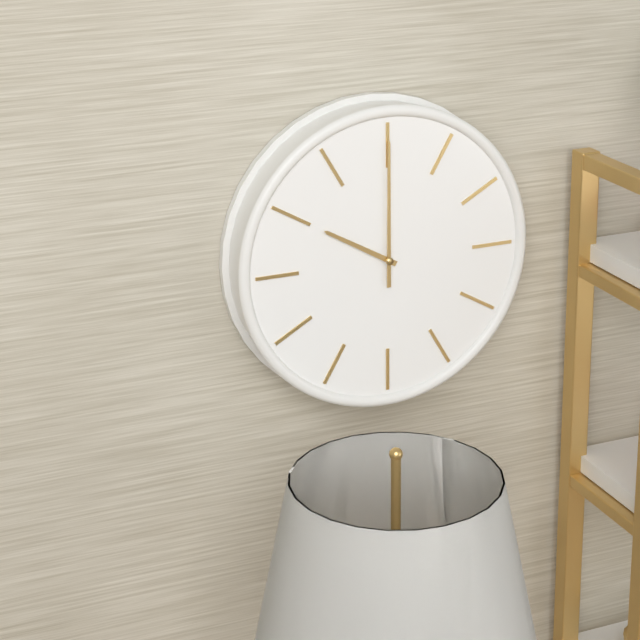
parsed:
10,00
